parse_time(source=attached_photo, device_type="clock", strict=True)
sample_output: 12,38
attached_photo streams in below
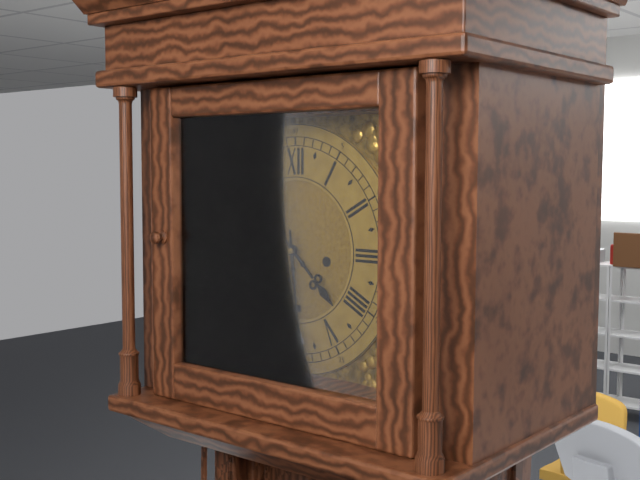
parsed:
4,29
